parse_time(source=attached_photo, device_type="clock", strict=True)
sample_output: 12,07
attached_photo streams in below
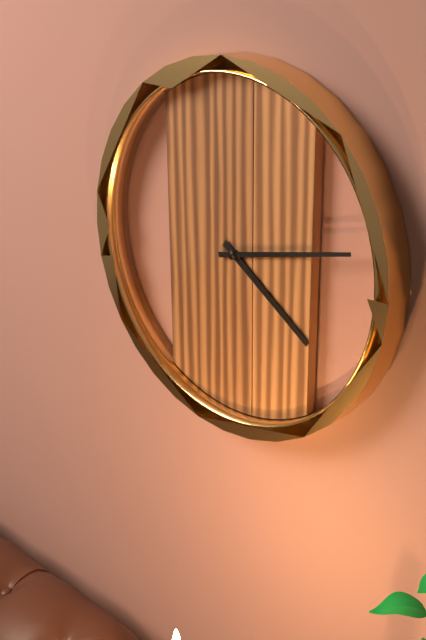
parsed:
4,13
